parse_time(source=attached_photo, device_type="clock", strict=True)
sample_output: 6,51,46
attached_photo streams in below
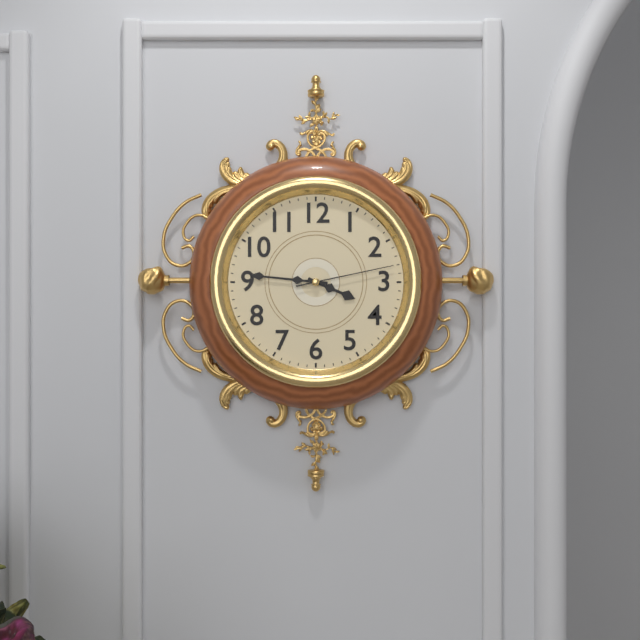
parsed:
3,46,13
